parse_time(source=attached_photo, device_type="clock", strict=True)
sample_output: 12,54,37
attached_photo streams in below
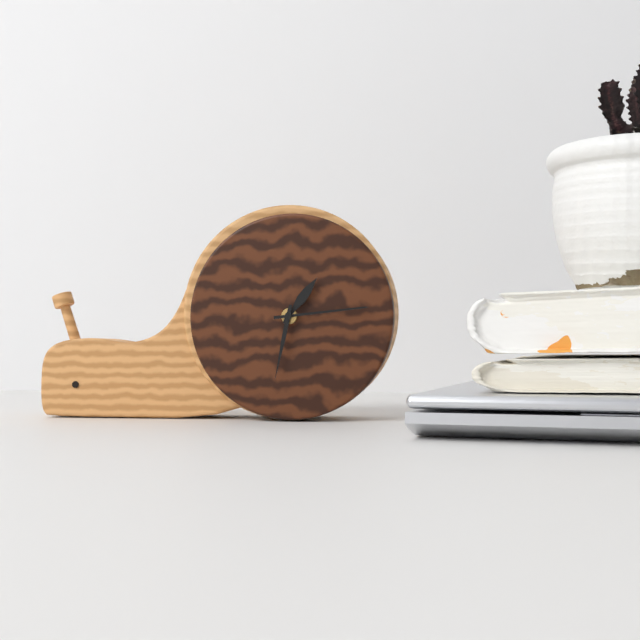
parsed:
1,14,32
